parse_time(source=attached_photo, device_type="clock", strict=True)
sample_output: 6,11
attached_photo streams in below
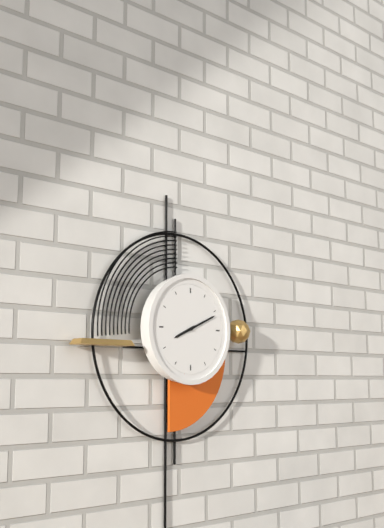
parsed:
8,11
